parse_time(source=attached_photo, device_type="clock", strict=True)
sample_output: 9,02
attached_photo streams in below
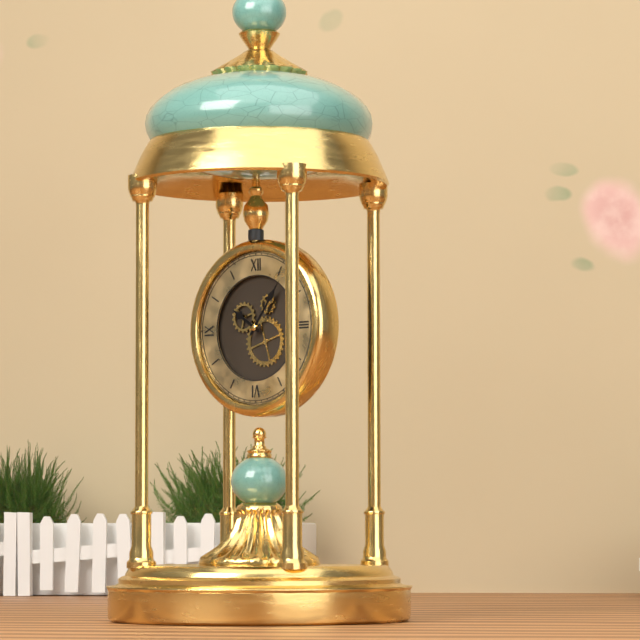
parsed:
10,06
